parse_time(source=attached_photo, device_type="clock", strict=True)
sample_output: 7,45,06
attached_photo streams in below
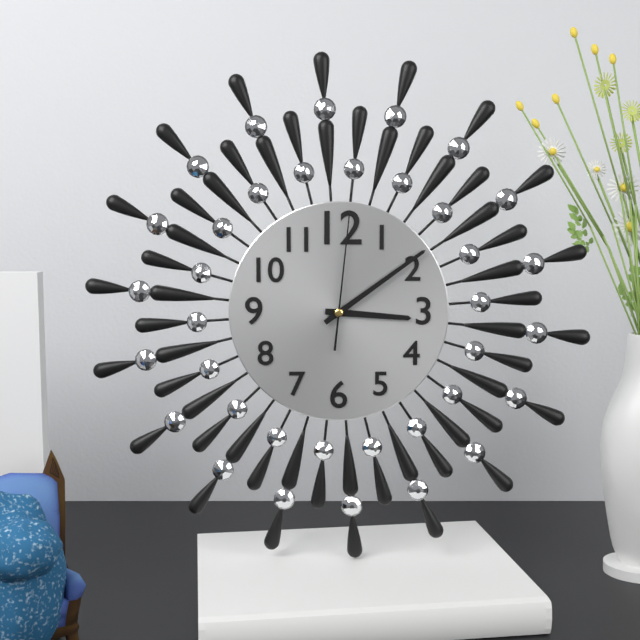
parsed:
3,09,01
